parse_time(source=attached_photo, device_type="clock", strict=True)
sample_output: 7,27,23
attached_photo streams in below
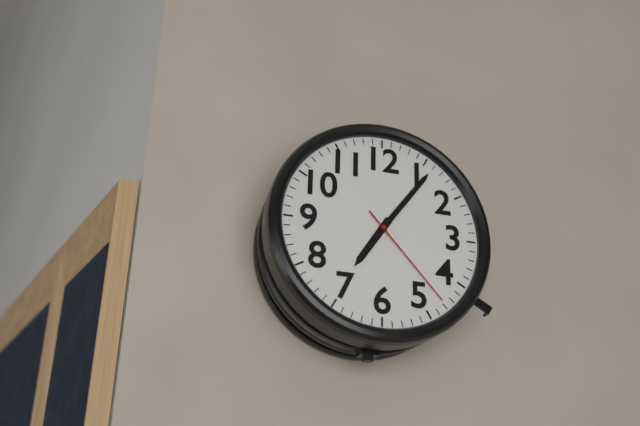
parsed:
7,06,23
